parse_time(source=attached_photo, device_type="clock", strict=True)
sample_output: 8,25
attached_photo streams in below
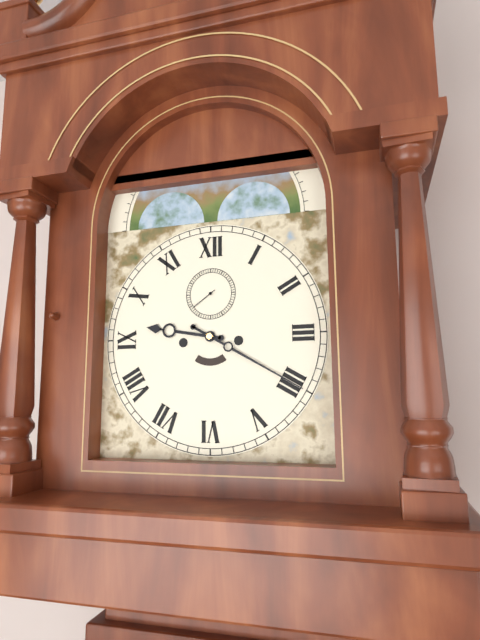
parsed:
9,20
